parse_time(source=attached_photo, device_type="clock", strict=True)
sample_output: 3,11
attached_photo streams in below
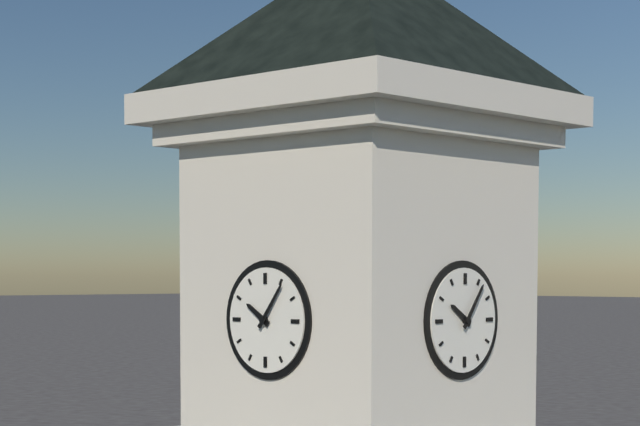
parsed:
10,06
